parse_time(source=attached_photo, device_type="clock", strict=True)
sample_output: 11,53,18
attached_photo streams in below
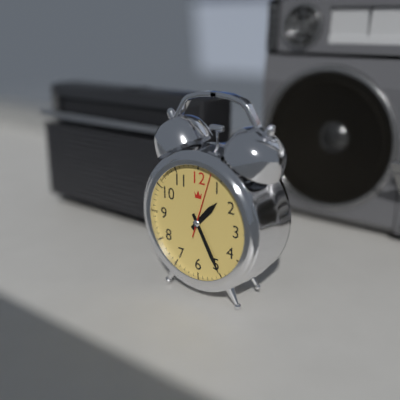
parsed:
1,25,03
